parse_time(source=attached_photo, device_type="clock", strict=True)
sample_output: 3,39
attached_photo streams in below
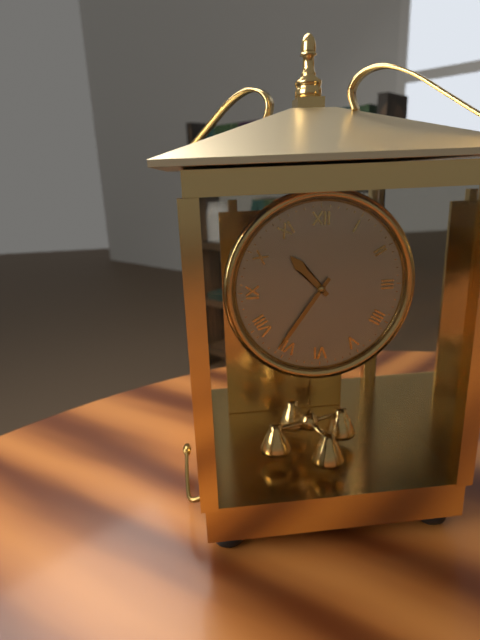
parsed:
10,36
